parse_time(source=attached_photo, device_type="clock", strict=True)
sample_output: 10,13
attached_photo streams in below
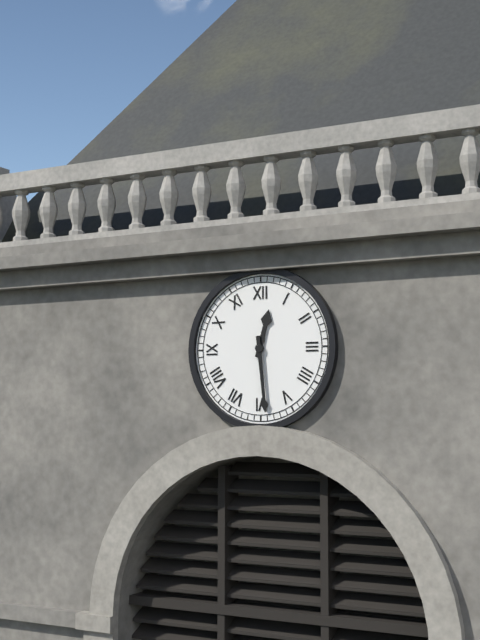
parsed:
12,29
